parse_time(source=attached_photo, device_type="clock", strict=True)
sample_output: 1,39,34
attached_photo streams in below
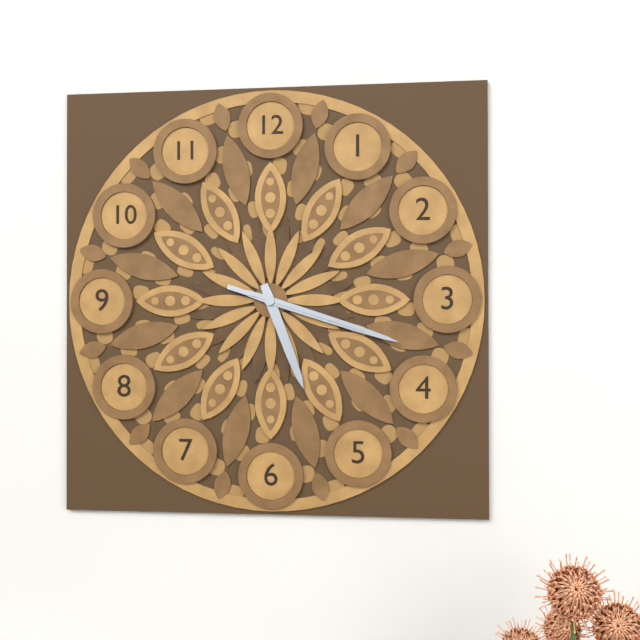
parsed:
5,18,18
